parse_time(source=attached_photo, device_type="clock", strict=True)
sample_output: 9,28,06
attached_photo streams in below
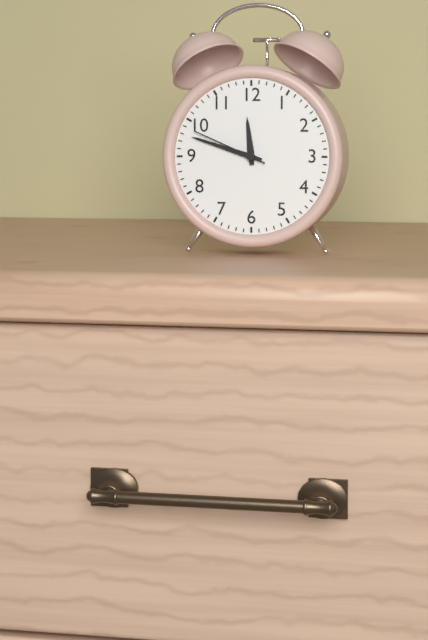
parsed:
11,48,49
